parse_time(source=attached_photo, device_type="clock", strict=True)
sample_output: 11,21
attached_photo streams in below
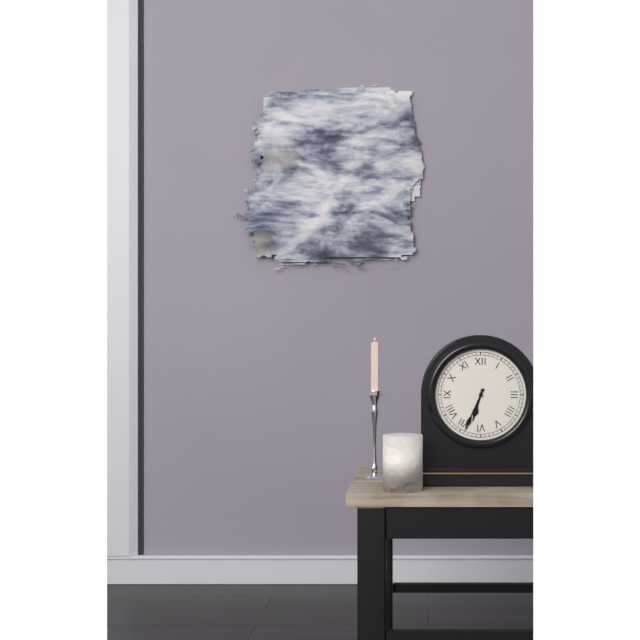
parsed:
6,34
